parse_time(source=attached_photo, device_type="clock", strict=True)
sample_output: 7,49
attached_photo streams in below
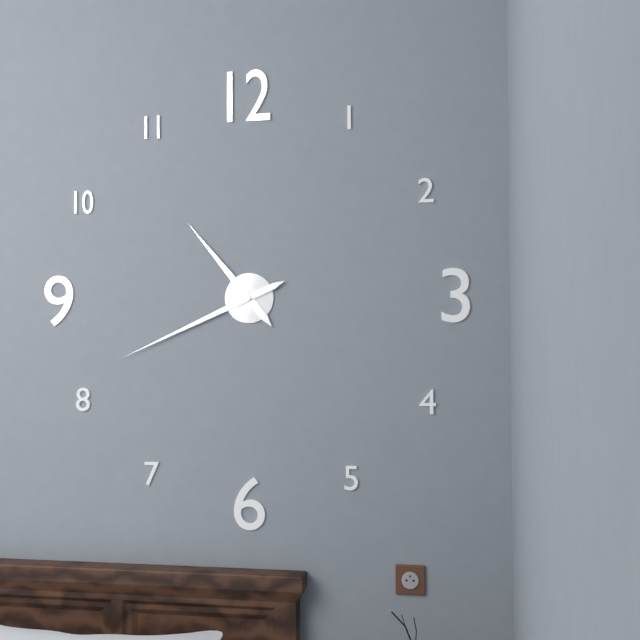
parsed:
10,41
